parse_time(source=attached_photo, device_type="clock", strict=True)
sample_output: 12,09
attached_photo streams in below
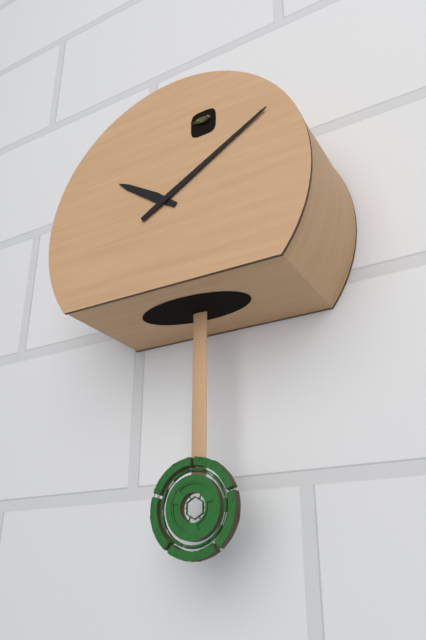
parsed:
10,10
